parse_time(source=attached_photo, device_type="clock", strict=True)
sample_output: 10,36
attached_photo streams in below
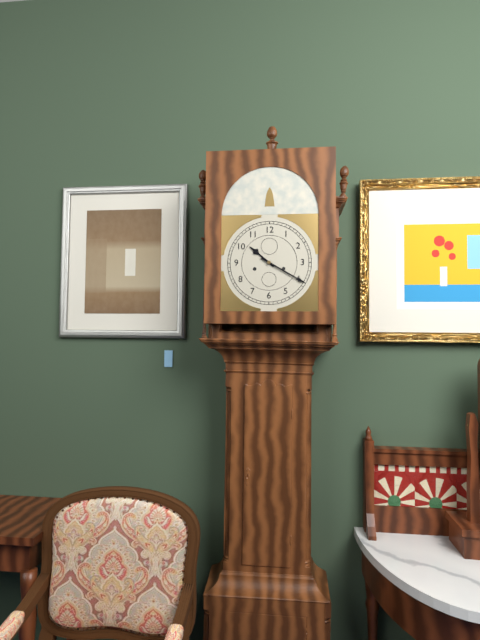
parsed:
10,20
